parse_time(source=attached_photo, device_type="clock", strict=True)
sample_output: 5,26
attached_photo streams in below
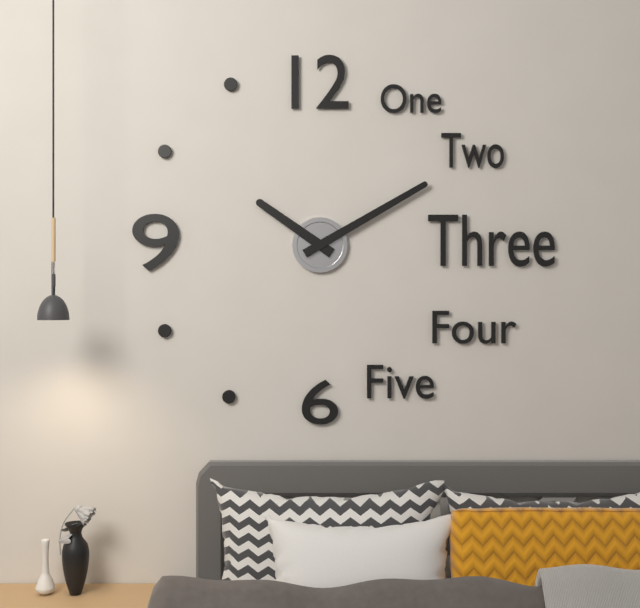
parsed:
10,10
